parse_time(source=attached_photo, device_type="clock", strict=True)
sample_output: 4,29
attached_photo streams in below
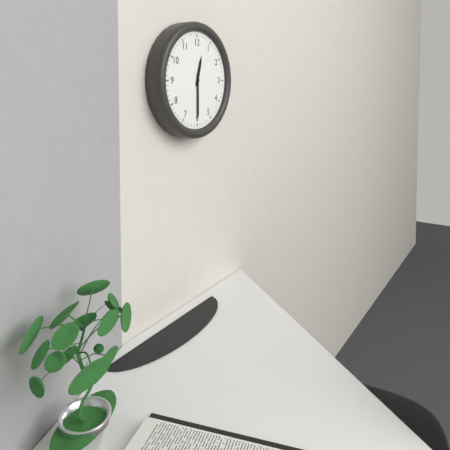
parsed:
12,30
